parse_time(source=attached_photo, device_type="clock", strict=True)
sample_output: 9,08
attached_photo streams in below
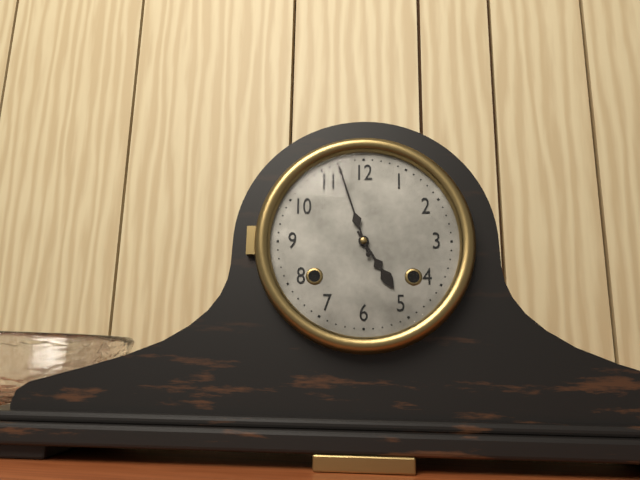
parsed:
4,57
